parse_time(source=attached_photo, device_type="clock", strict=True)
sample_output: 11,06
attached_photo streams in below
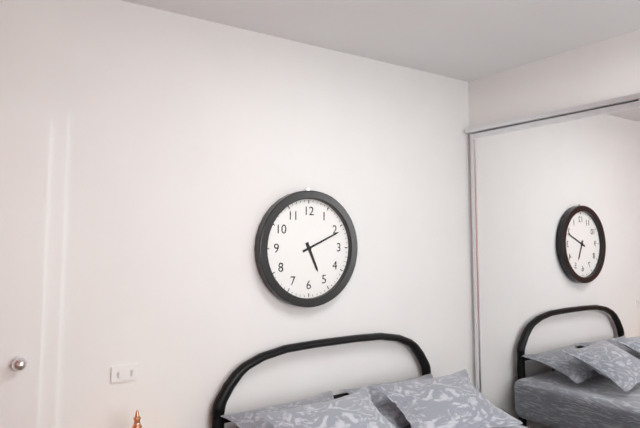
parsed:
5,11
